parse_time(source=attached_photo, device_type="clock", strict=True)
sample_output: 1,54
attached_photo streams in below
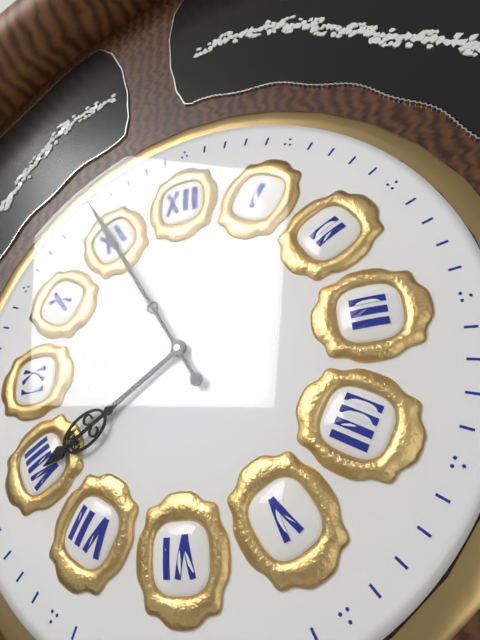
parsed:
7,55
